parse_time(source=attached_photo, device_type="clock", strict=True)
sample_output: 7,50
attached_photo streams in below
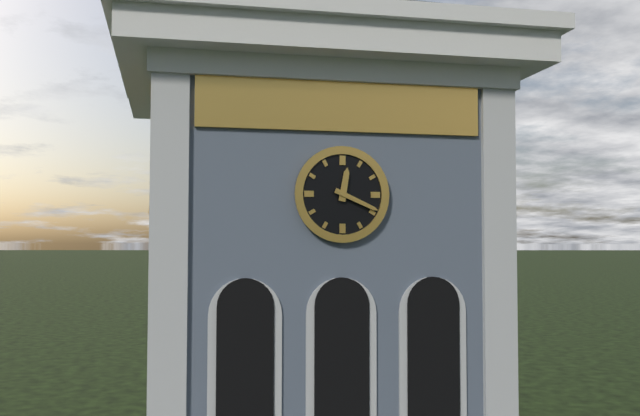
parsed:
12,19
